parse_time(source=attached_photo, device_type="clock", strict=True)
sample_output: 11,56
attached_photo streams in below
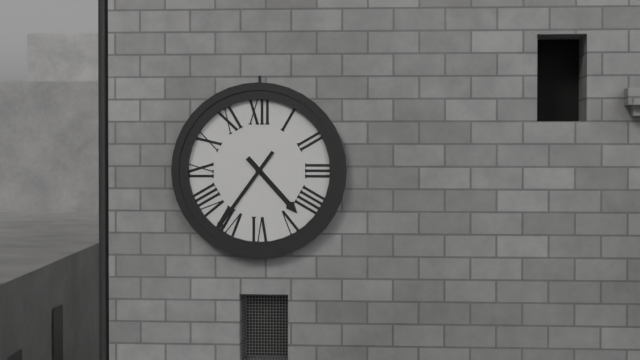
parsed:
4,36
